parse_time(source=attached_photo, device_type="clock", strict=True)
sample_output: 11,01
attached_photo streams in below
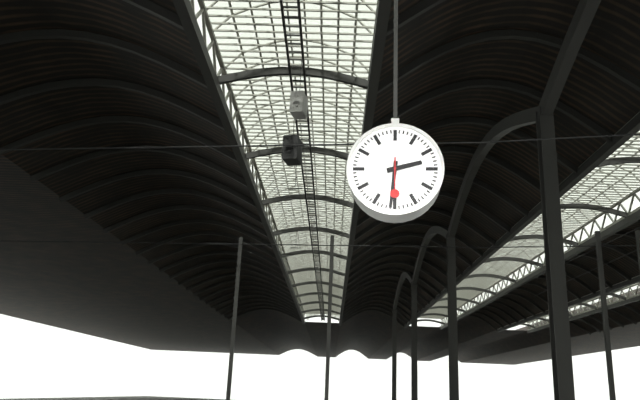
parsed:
2,31
